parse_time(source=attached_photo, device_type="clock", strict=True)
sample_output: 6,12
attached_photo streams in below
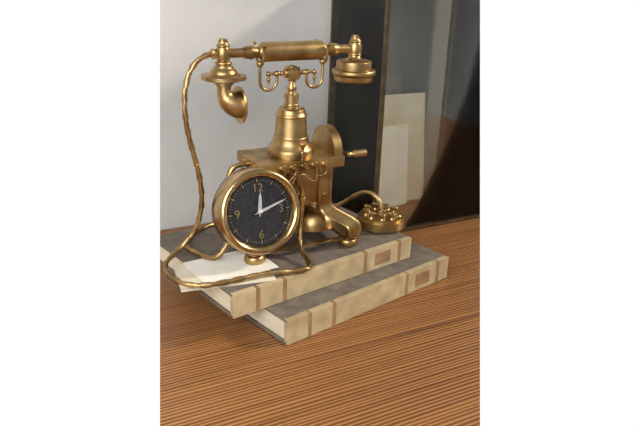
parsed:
12,12
